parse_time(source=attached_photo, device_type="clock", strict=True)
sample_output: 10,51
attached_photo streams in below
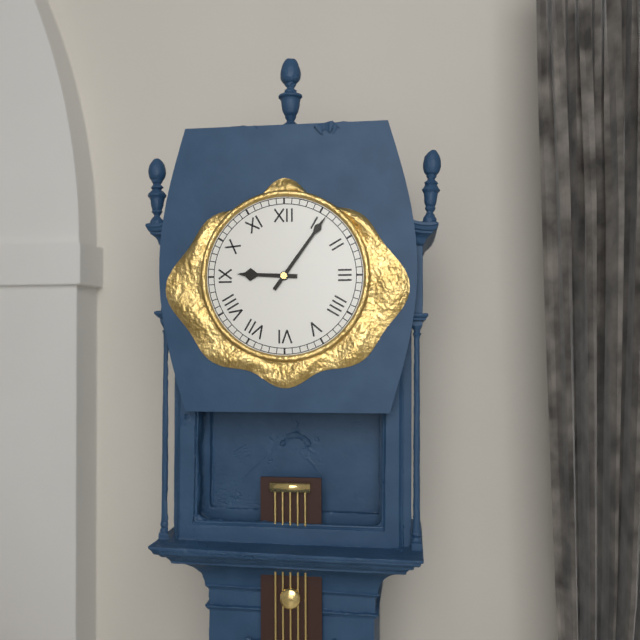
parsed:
9,06
